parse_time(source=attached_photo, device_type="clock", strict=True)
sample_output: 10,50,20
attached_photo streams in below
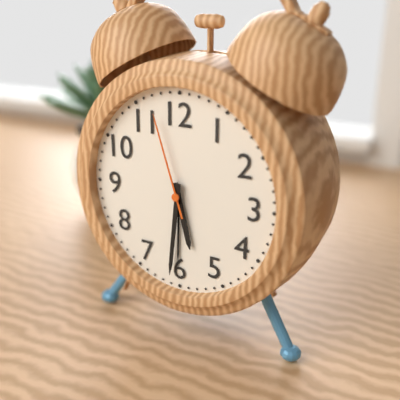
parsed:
5,31,57
